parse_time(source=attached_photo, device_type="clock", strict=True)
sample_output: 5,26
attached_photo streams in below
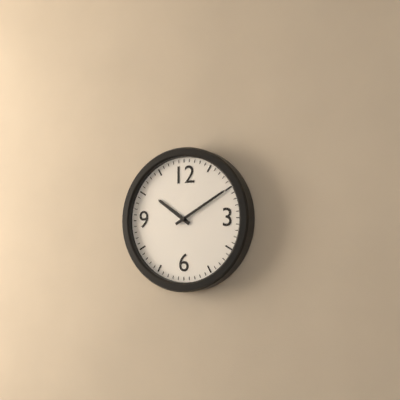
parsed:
10,10
